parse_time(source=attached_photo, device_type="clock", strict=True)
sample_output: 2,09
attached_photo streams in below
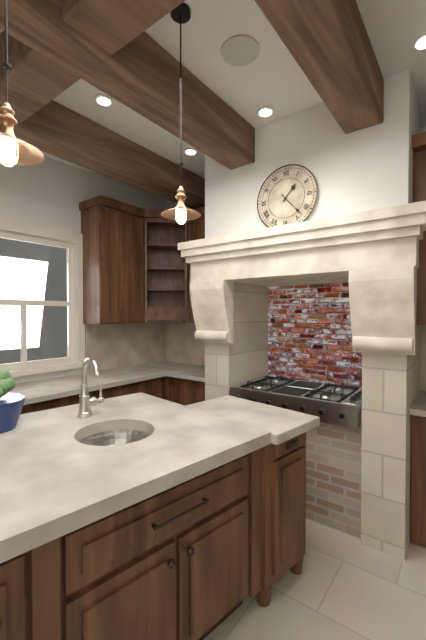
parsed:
1,23
